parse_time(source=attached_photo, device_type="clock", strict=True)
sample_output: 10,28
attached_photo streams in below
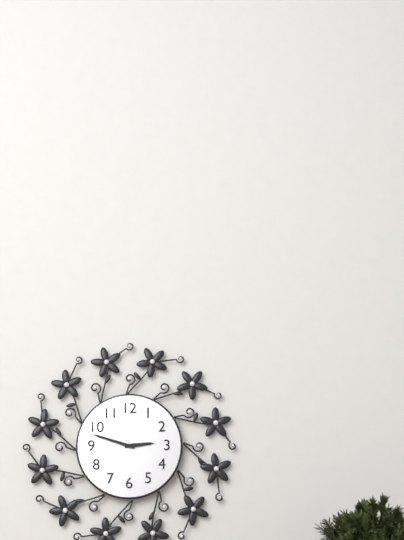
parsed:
2,48
